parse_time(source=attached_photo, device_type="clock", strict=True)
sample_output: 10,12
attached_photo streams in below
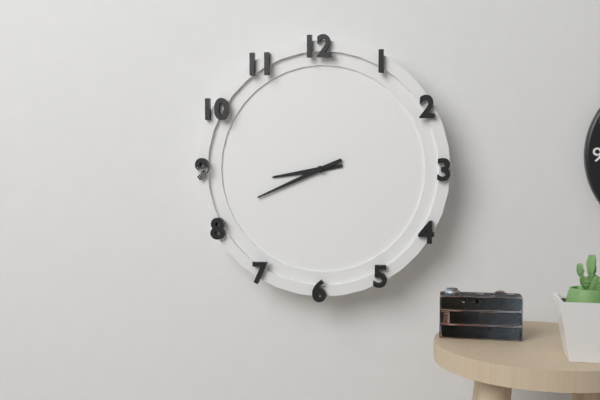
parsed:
8,41
